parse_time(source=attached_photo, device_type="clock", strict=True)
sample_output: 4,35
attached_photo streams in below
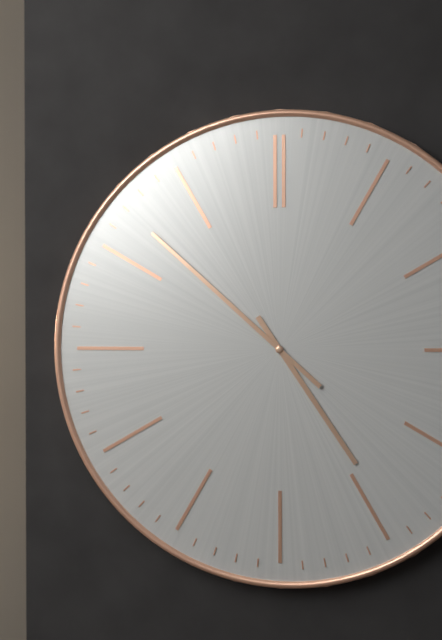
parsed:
4,52
